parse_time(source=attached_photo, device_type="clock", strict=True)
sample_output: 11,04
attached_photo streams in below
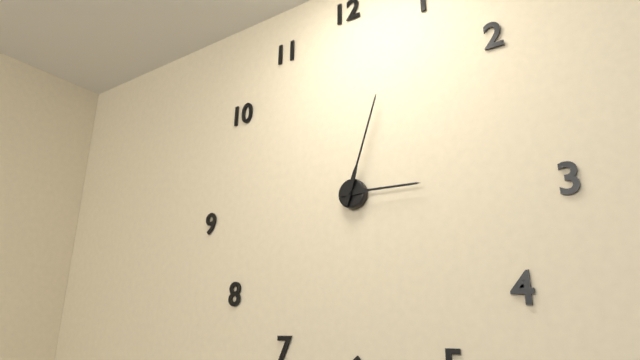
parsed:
3,03
